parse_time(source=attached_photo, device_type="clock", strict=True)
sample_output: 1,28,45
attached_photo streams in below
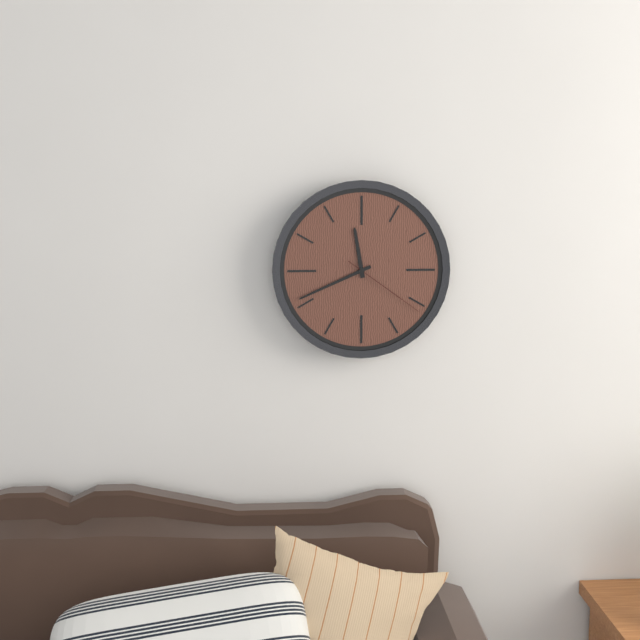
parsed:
11,41,21
